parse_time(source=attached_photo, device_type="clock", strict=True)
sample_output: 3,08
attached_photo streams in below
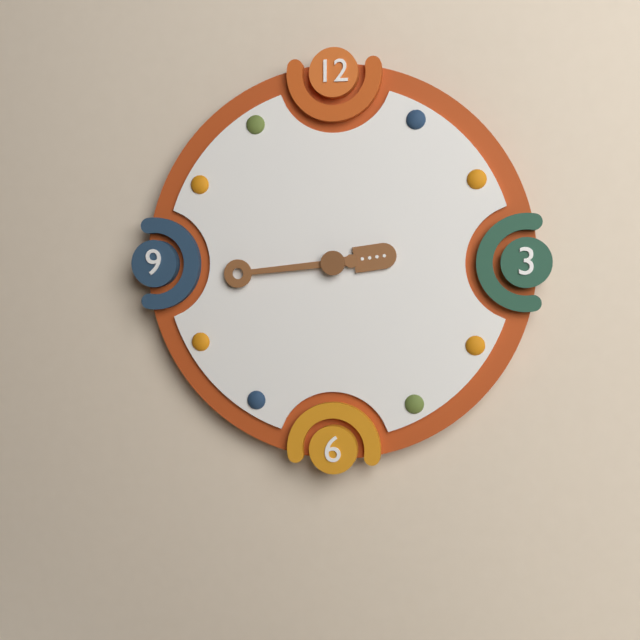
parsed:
2,44
